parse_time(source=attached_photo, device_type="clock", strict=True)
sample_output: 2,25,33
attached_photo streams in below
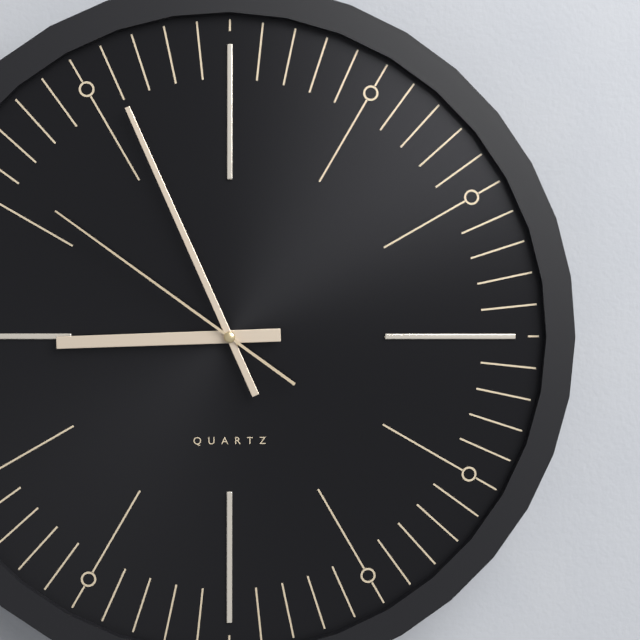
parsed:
8,56,51
